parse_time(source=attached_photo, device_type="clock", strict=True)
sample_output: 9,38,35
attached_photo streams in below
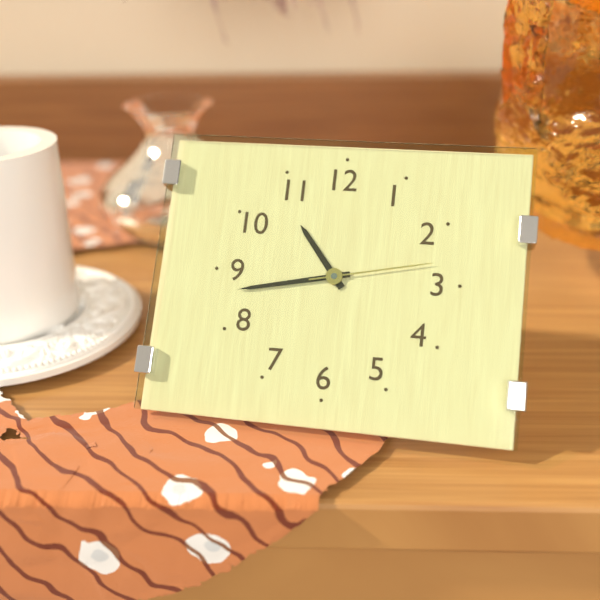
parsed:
10,43,13
